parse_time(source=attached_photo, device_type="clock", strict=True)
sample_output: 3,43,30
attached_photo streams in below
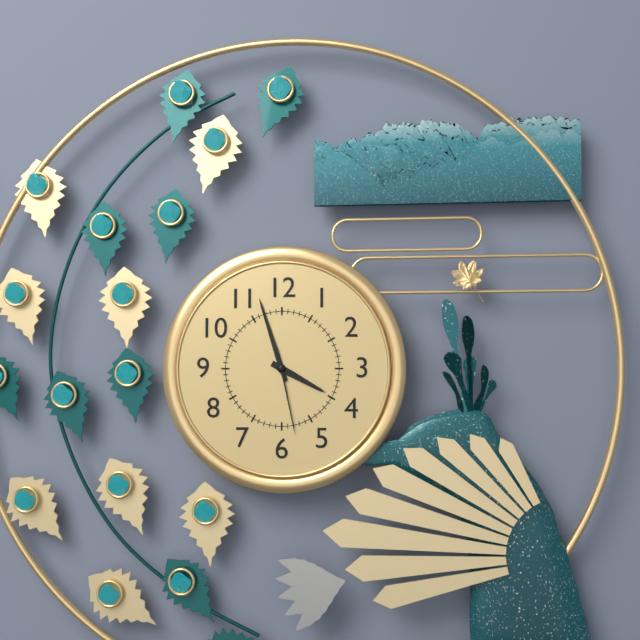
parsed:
3,57,28
